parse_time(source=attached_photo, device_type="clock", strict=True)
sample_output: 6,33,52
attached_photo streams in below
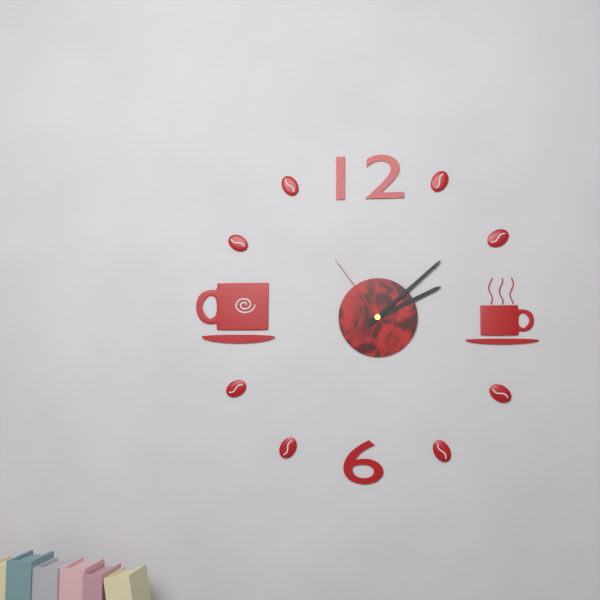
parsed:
2,08,54
